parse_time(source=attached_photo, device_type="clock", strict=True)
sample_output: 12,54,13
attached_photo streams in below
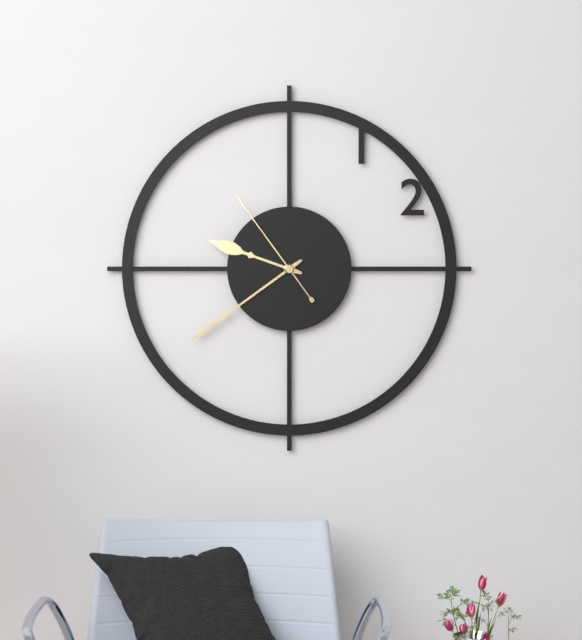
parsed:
9,39,54
